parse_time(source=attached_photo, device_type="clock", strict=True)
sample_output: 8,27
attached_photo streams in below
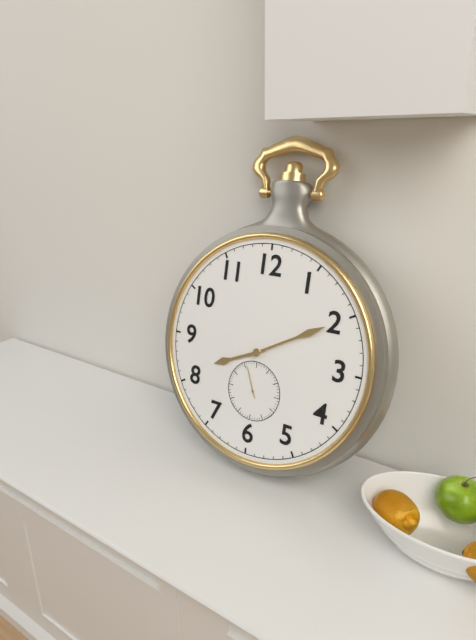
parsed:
8,10
